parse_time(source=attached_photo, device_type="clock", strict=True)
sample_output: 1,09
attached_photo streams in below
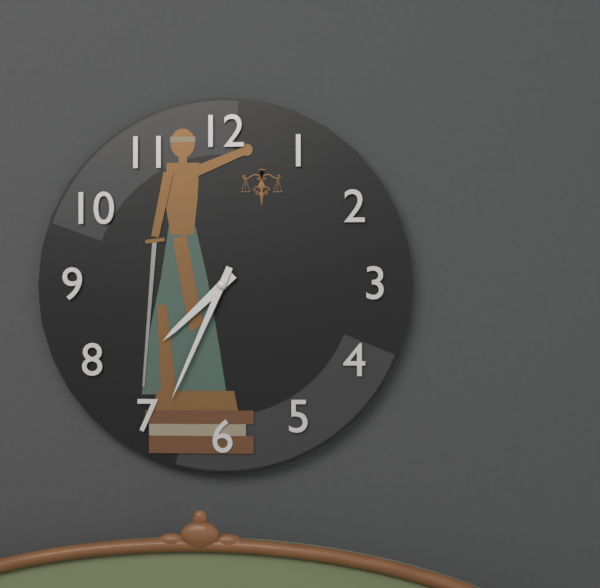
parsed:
7,34
